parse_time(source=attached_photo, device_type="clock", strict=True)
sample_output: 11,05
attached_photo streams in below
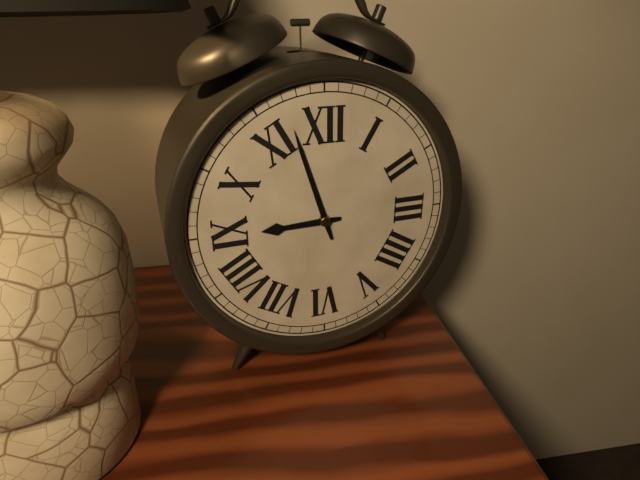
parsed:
8,57
